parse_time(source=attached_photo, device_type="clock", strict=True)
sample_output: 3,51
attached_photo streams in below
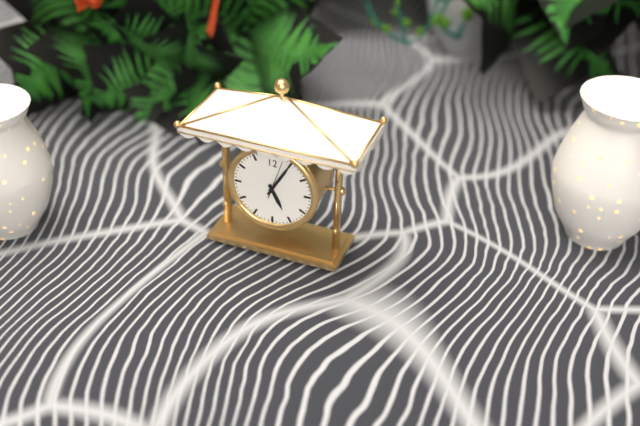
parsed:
5,05
